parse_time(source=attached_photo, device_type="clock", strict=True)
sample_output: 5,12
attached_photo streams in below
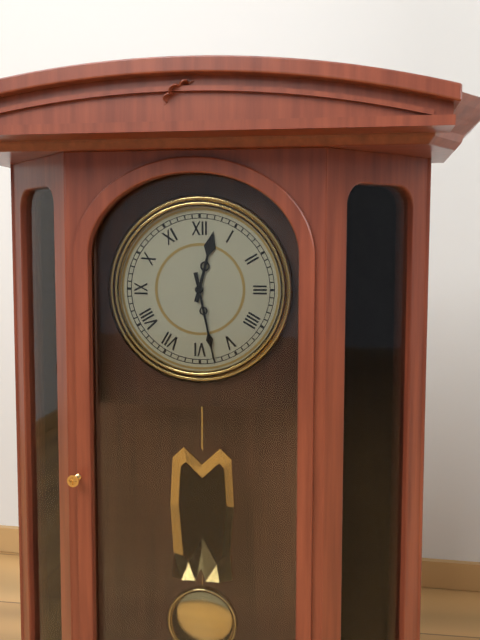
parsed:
12,28
